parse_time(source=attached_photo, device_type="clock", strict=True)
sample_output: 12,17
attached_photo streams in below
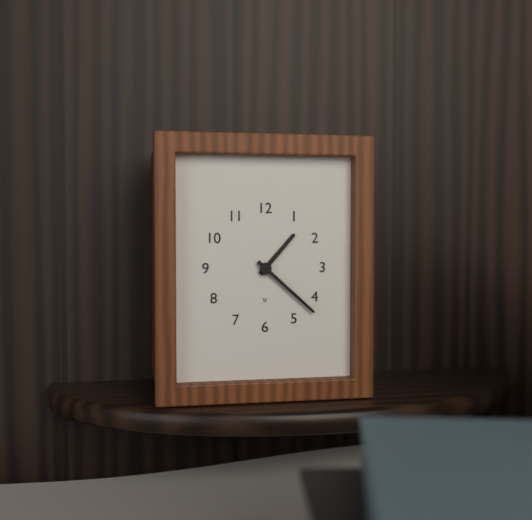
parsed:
1,22
